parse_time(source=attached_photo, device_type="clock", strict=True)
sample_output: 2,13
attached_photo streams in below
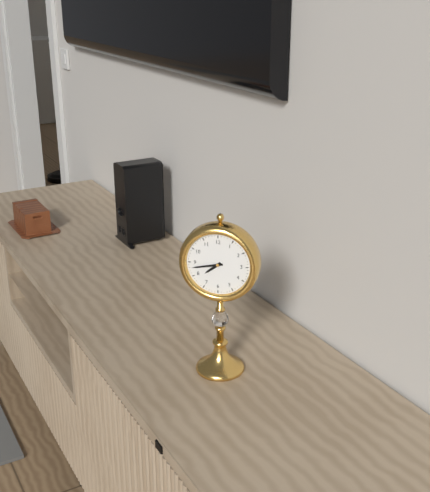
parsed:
7,43
